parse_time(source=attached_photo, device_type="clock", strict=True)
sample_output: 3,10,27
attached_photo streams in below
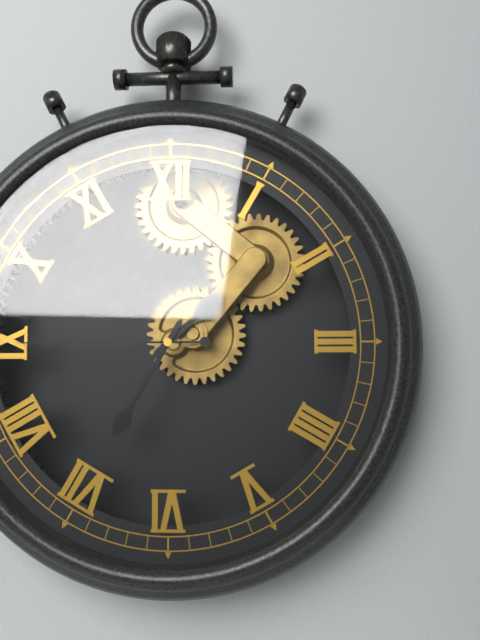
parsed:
1,35,45
